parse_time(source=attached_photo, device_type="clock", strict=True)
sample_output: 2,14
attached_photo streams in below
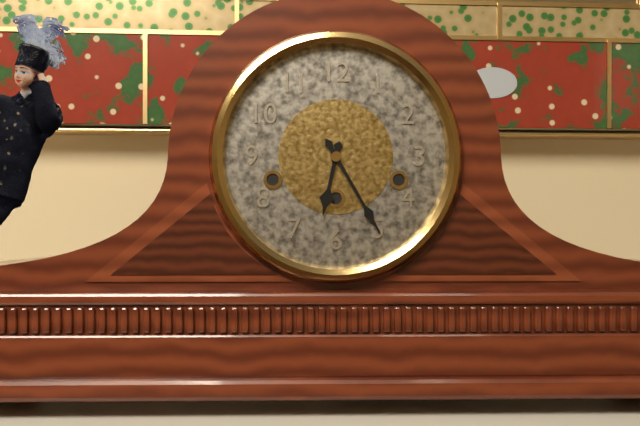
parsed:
6,25
